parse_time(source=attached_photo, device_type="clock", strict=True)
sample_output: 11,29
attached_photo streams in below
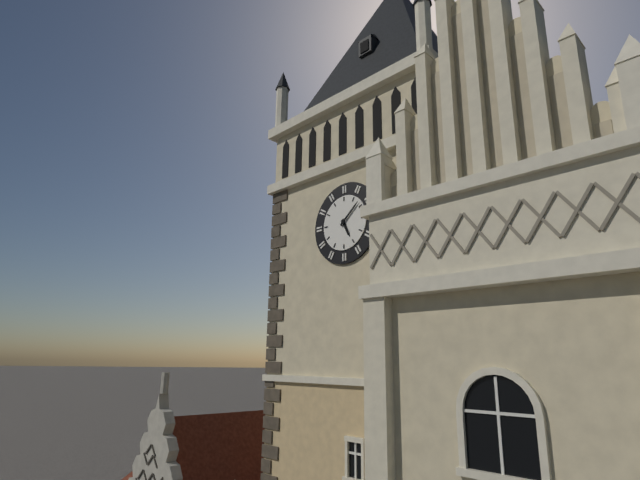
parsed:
5,08
